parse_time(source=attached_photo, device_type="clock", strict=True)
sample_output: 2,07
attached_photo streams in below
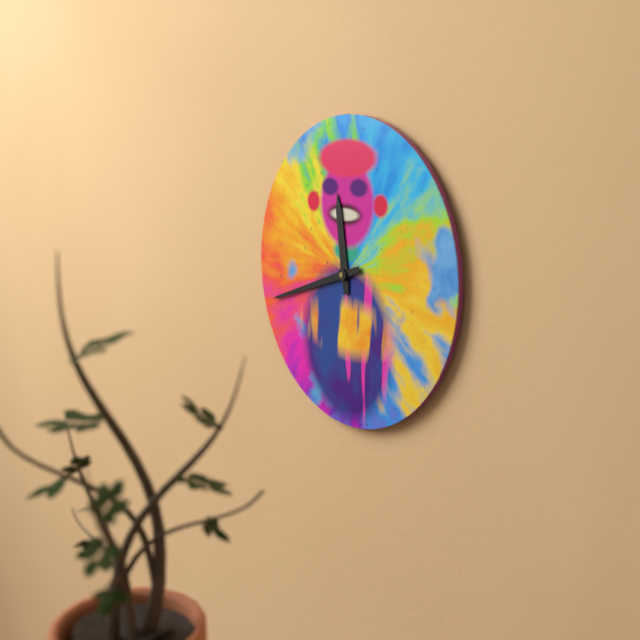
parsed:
11,42
